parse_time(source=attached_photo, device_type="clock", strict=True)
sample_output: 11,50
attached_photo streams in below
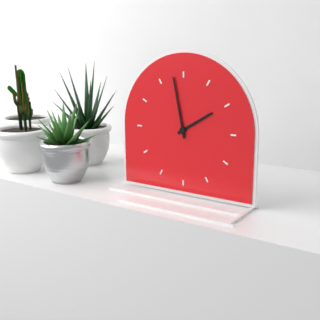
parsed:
1,58
